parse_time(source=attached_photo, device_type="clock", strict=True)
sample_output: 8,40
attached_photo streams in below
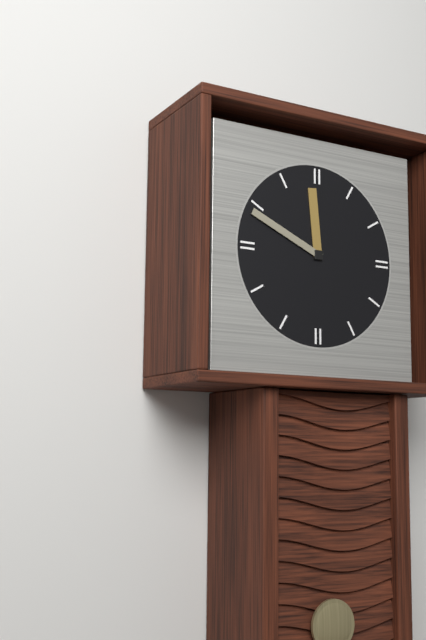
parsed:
11,49
